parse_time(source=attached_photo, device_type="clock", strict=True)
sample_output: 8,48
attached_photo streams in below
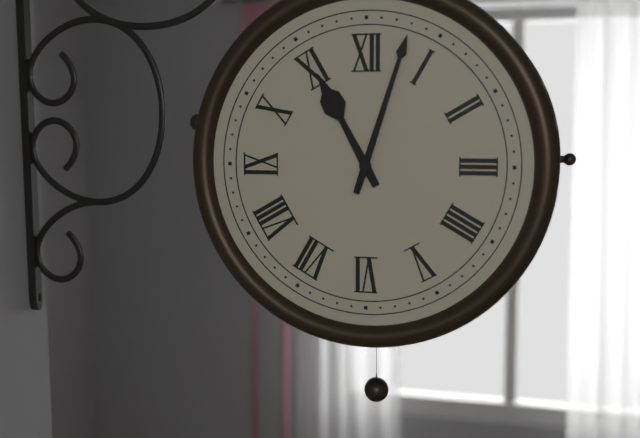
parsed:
11,03
